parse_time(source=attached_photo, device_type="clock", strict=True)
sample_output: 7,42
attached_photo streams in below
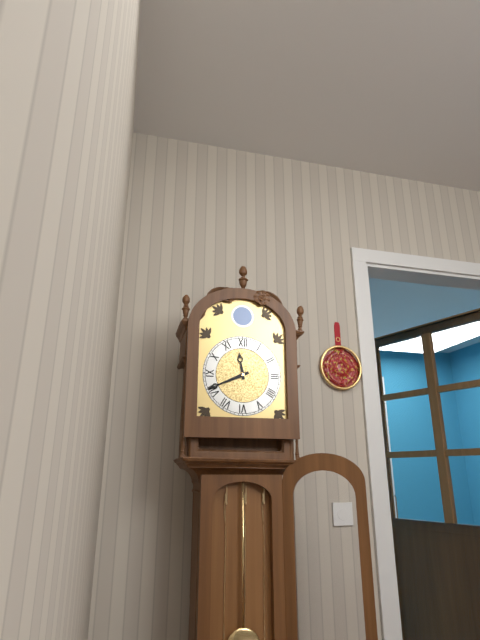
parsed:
11,41
